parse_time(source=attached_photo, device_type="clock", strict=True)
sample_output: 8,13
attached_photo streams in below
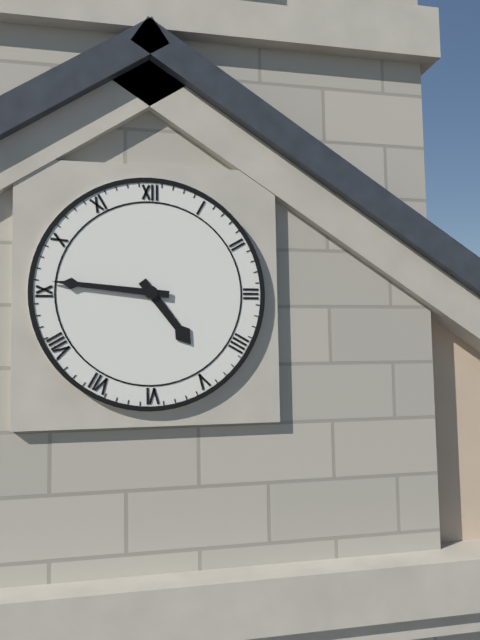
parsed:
4,46
